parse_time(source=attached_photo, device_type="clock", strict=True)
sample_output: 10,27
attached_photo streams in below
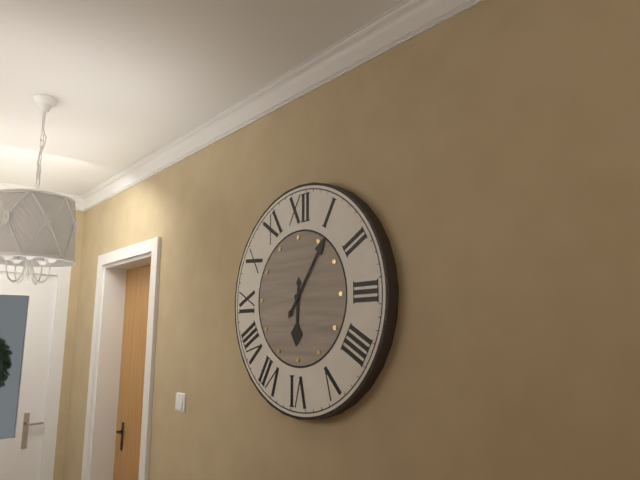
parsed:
6,06
